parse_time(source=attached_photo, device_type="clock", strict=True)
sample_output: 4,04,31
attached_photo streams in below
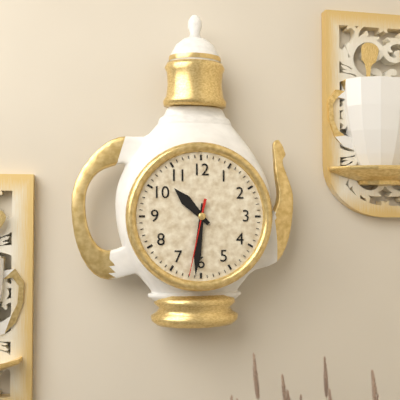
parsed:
10,31,32
